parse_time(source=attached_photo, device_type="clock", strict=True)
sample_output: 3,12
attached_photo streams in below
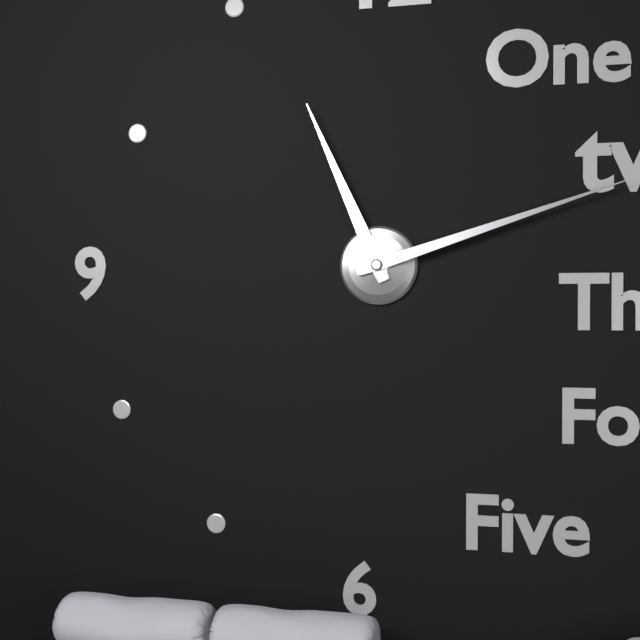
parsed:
11,12
